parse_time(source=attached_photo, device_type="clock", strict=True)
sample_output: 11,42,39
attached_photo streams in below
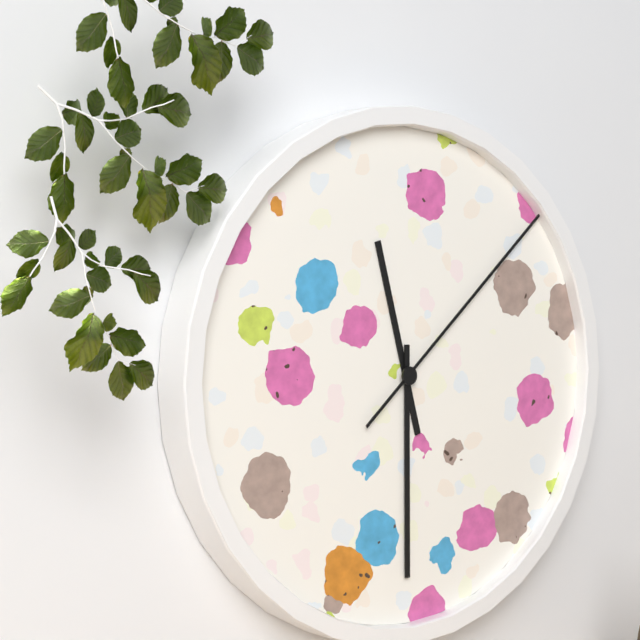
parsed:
11,30,08
